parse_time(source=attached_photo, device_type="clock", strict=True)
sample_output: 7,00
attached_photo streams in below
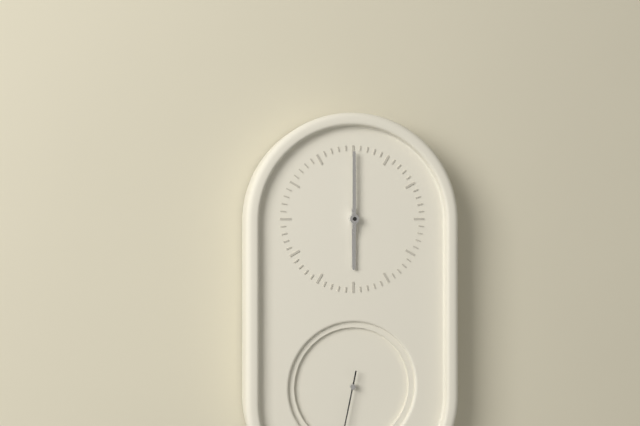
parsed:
6,00
